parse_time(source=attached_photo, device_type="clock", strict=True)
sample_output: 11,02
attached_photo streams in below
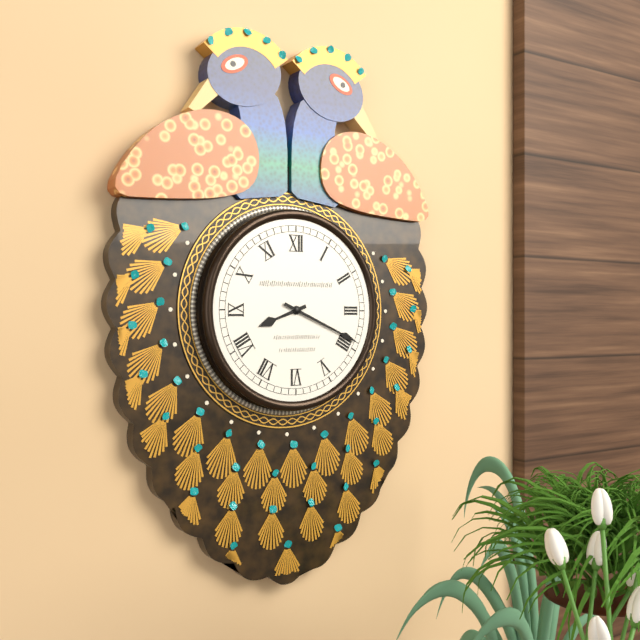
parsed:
8,19
